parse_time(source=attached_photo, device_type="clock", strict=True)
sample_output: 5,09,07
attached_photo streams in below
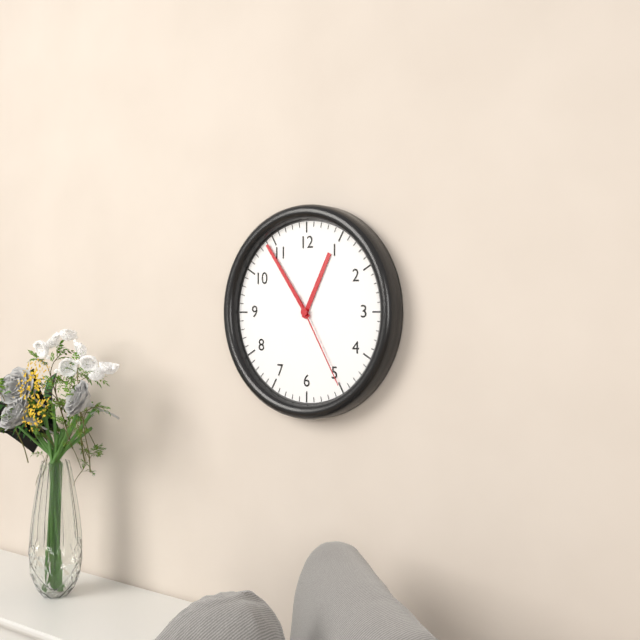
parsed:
12,54,25
